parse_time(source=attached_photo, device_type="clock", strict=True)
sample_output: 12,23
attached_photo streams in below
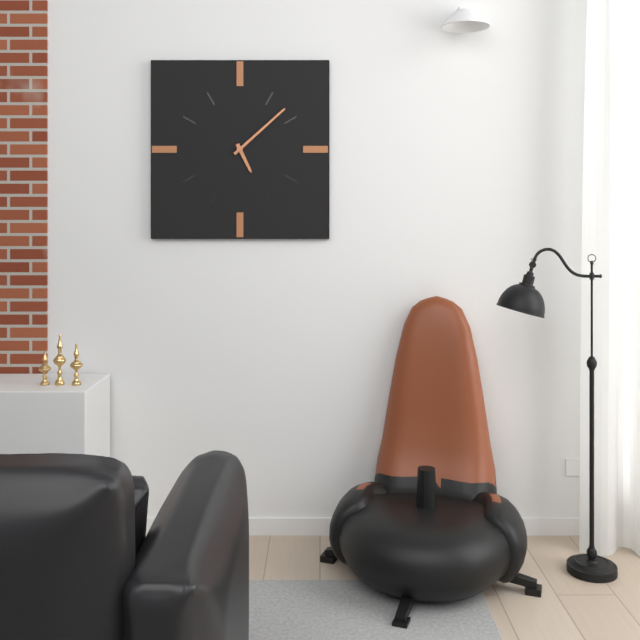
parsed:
5,08
